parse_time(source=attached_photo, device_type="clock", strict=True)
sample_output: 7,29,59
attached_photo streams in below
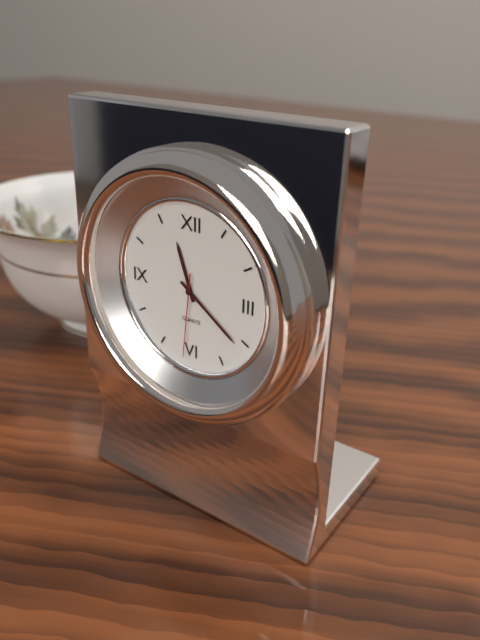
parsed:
11,21,31
